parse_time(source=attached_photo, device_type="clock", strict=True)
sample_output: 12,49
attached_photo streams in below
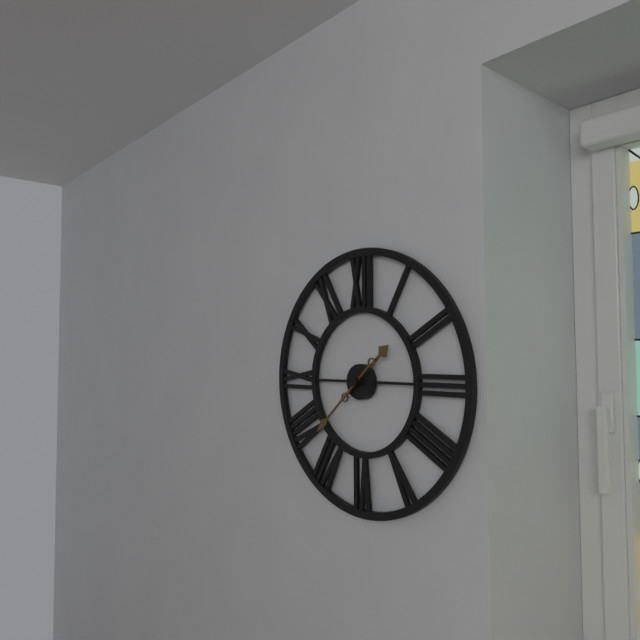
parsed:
1,38
